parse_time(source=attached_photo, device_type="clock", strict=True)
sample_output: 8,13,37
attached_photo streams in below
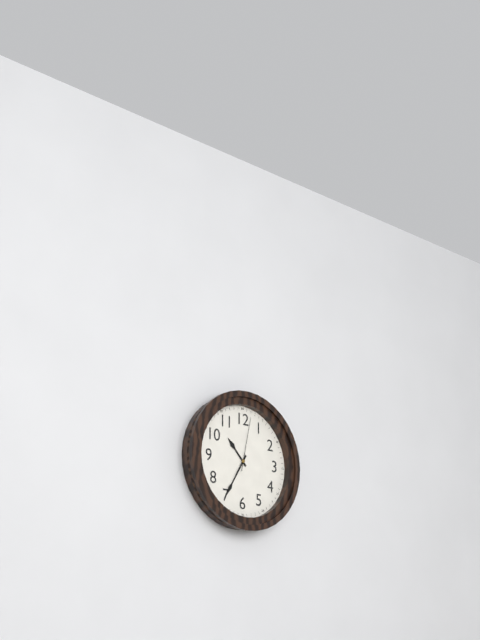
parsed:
10,35,02
